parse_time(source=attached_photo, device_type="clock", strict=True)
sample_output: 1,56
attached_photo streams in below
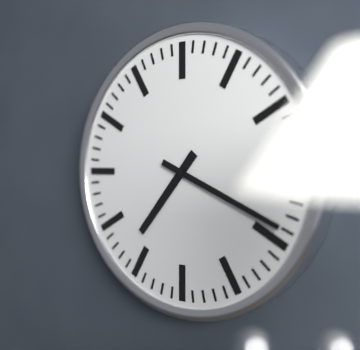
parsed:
7,19
